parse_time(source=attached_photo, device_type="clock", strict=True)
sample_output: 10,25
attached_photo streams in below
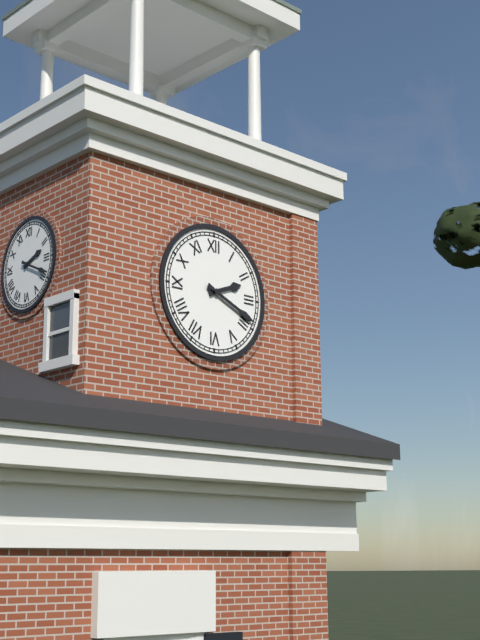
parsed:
2,19
